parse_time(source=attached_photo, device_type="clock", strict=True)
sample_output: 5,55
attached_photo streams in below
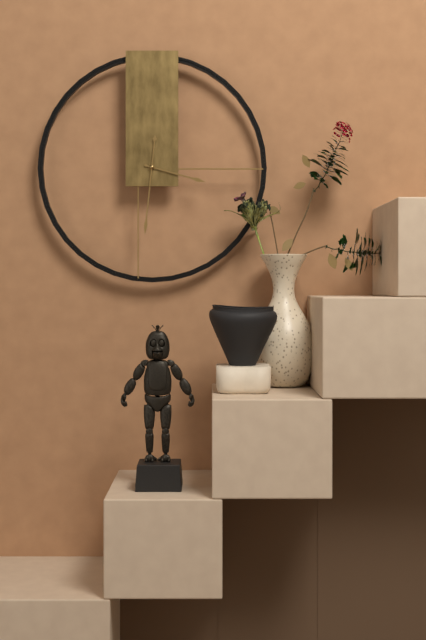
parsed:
3,31
